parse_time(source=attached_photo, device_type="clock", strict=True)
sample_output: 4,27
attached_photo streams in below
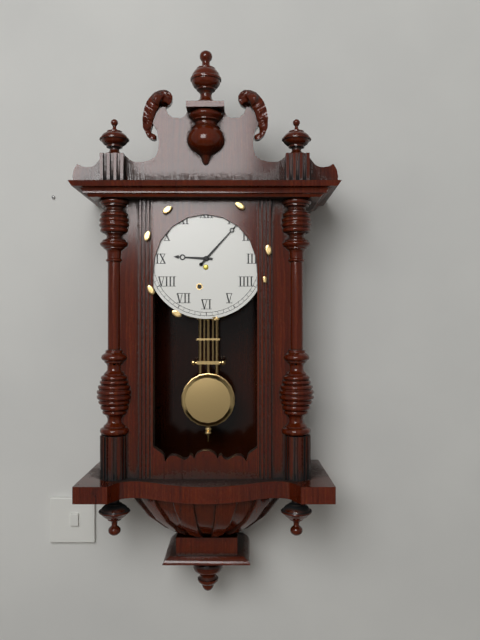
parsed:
9,07
